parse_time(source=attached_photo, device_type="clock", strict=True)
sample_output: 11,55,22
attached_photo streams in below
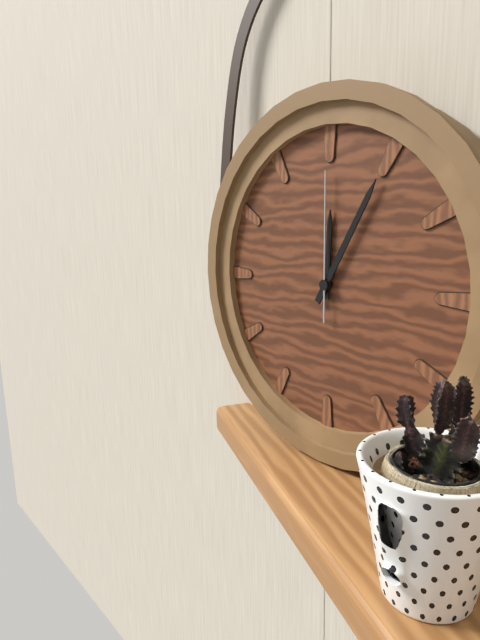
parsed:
12,05,00
